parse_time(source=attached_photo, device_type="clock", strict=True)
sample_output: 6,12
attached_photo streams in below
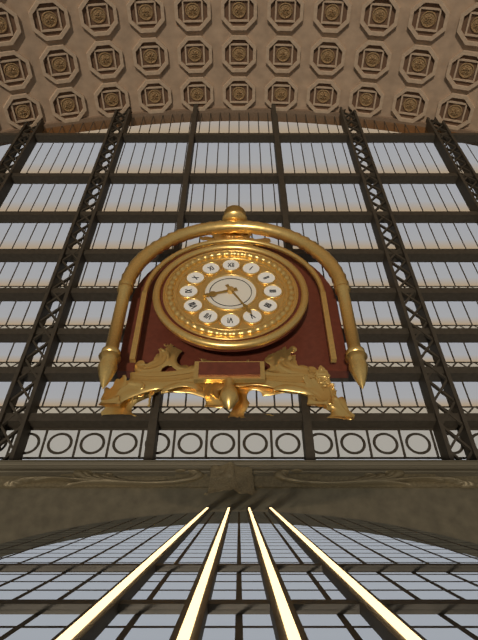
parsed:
8,25
